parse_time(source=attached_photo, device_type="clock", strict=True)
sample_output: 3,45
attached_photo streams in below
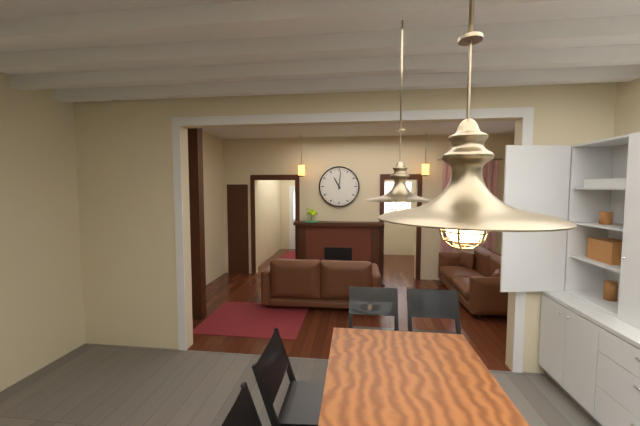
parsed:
11,01
